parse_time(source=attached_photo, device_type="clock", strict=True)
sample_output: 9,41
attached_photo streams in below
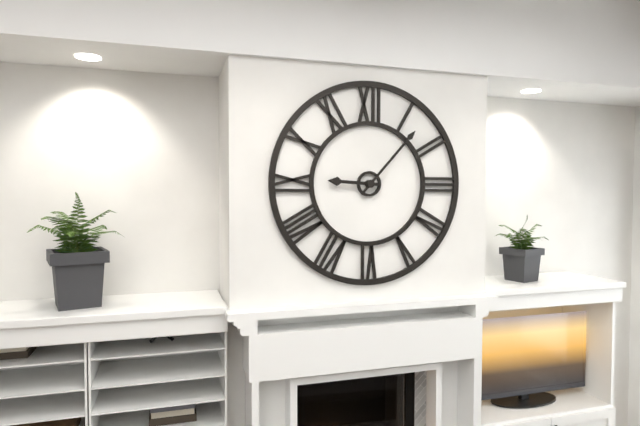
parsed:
9,07
